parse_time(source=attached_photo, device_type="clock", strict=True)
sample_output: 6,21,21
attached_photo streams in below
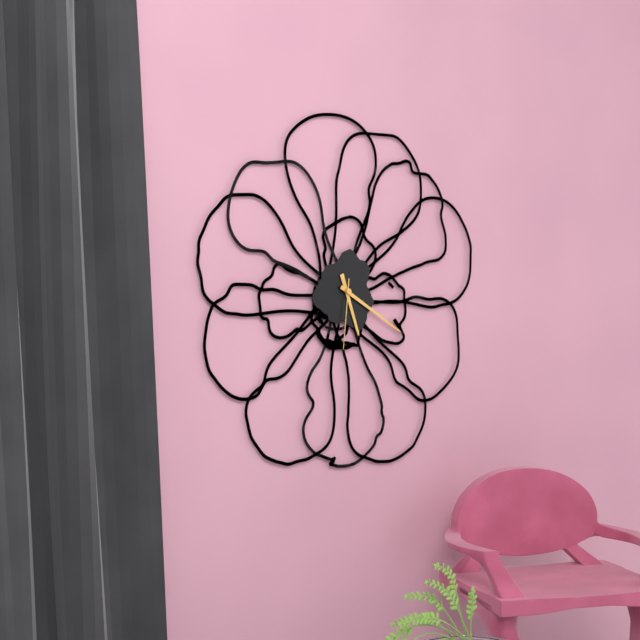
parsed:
5,20,31
